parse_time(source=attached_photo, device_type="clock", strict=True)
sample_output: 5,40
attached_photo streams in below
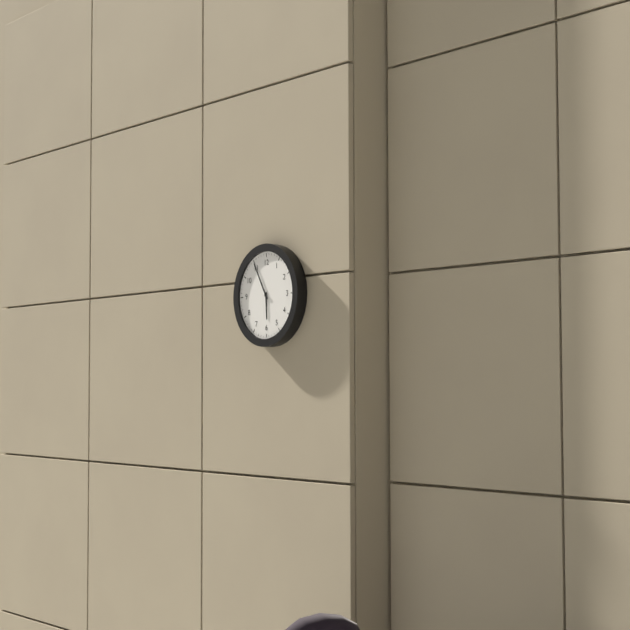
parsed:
5,55
